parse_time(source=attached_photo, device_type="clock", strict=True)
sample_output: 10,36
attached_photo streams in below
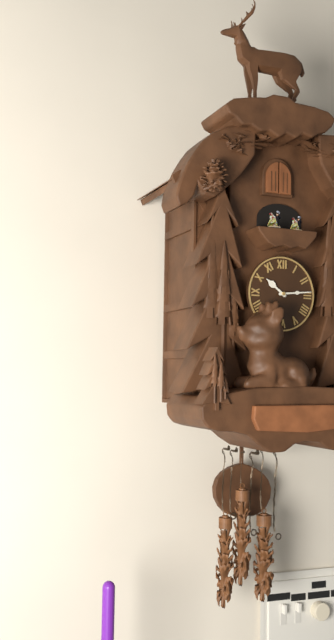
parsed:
10,14
